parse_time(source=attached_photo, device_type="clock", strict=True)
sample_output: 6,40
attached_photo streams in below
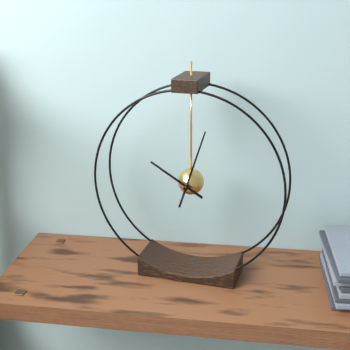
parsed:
10,03
